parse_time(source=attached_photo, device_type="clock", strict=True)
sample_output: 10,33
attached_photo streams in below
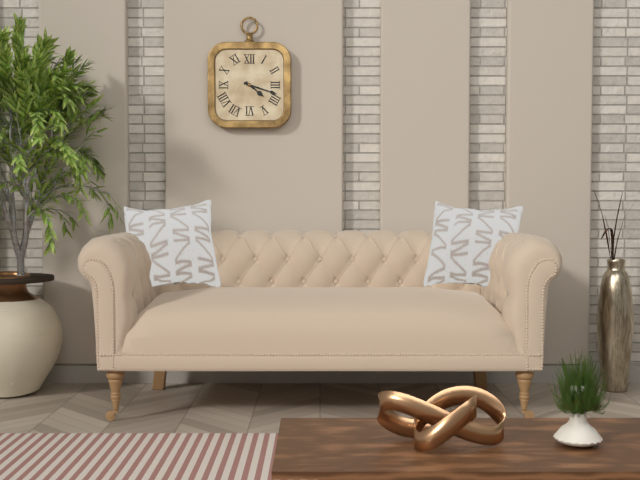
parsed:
4,18
